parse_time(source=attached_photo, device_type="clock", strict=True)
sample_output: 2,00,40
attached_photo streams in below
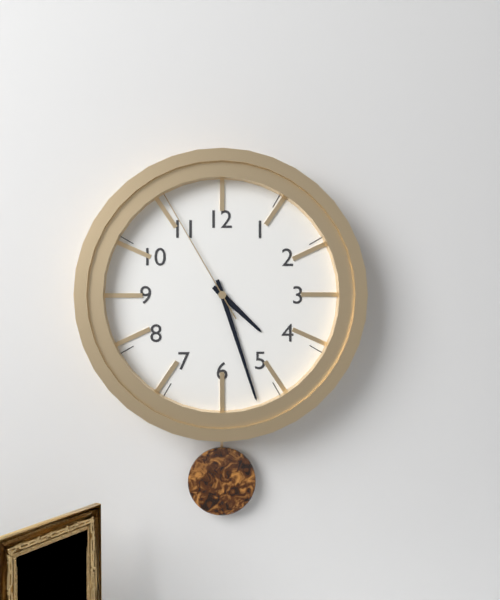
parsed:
4,27,55
